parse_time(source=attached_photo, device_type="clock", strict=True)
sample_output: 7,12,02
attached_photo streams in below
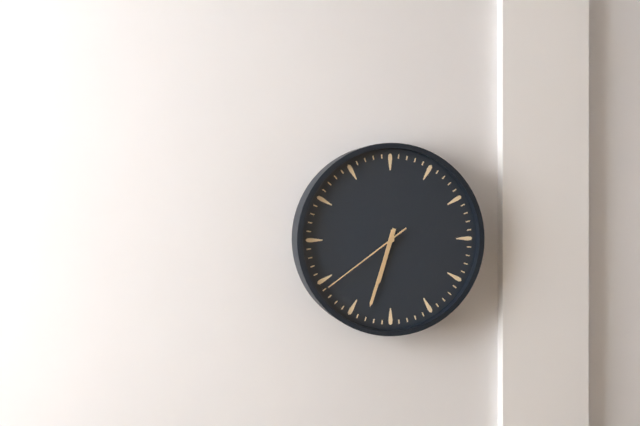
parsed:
6,33,39
